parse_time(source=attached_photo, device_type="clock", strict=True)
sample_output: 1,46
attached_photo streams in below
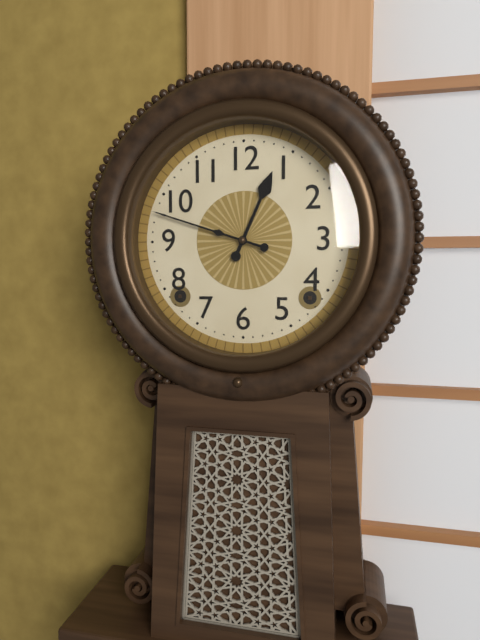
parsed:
12,48
